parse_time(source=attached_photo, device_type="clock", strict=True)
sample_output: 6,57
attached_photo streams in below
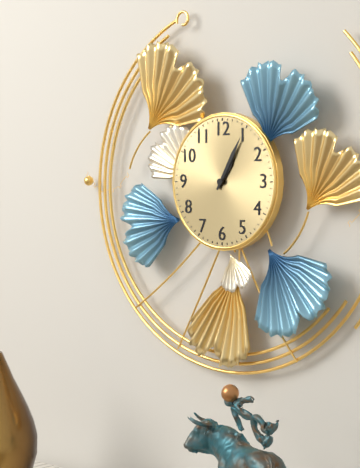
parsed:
1,05
